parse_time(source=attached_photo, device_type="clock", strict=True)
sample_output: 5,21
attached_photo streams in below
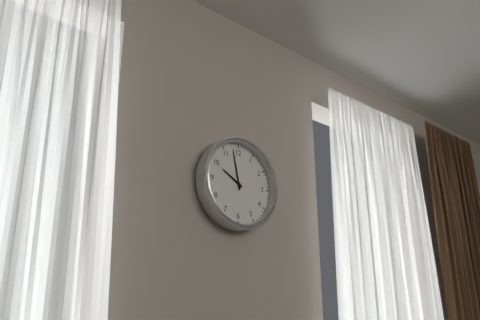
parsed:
9,58
